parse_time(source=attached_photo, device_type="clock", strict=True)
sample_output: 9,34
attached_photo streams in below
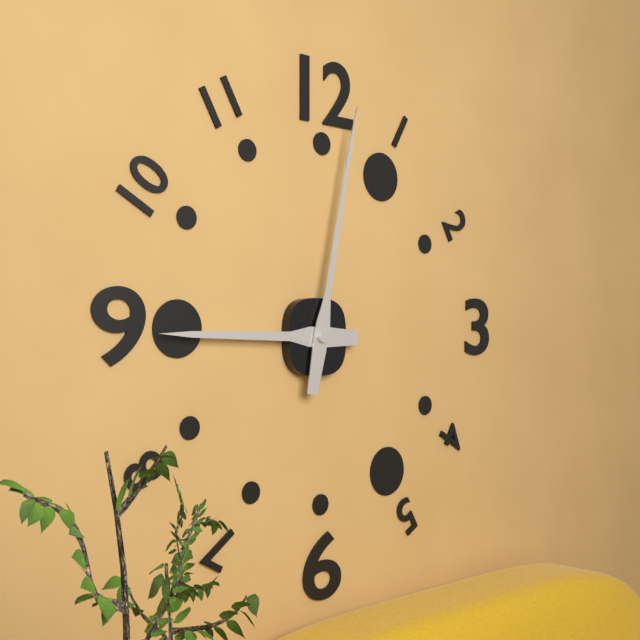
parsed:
9,02
